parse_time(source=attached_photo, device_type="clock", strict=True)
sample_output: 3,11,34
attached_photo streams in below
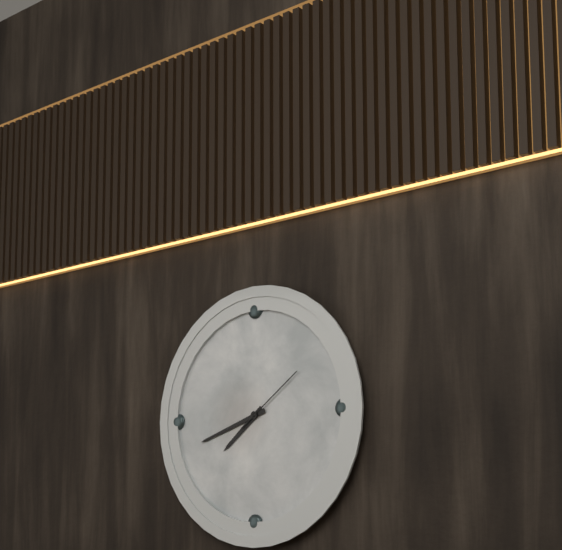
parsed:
7,42,09
